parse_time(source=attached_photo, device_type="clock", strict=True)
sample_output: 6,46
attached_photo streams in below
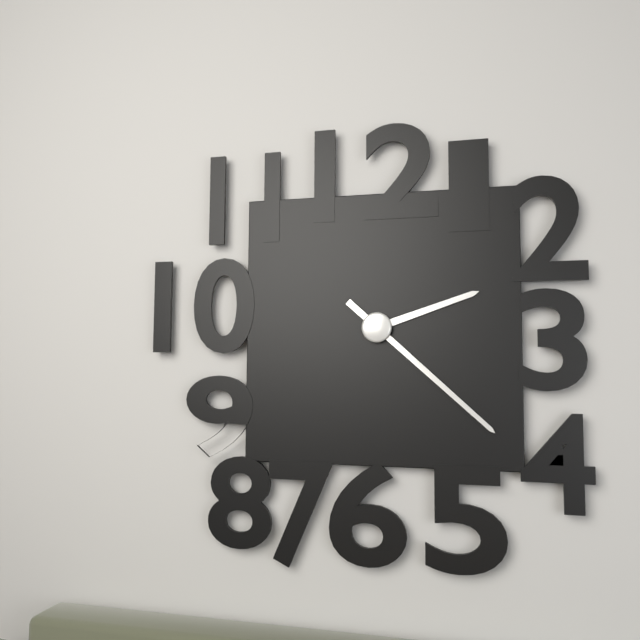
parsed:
2,22
